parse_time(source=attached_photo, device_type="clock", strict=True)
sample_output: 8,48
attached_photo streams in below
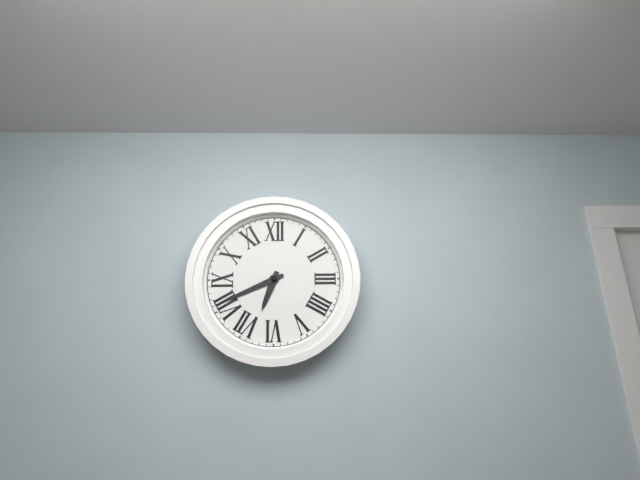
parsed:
6,41
